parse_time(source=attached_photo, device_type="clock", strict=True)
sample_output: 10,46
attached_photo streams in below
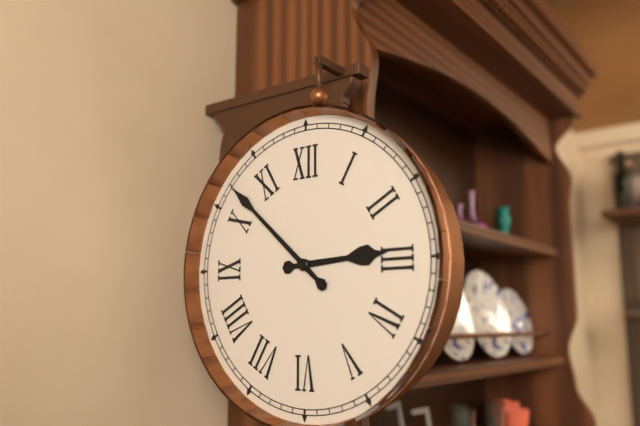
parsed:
2,52
